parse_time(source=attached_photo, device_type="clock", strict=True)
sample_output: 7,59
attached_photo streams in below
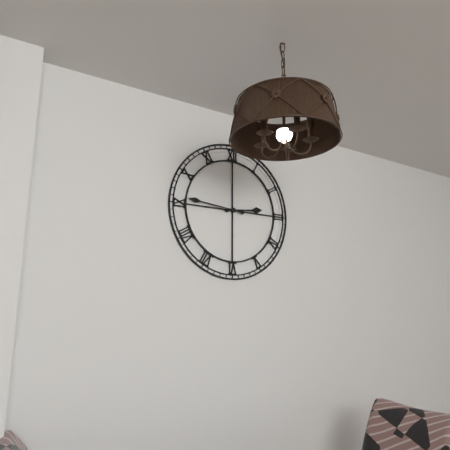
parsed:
2,46
